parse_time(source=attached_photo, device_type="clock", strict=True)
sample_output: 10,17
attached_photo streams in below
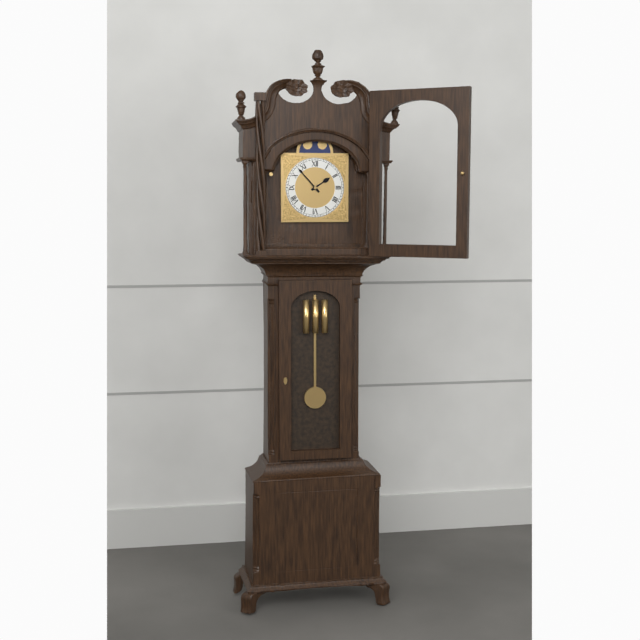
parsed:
1,53
